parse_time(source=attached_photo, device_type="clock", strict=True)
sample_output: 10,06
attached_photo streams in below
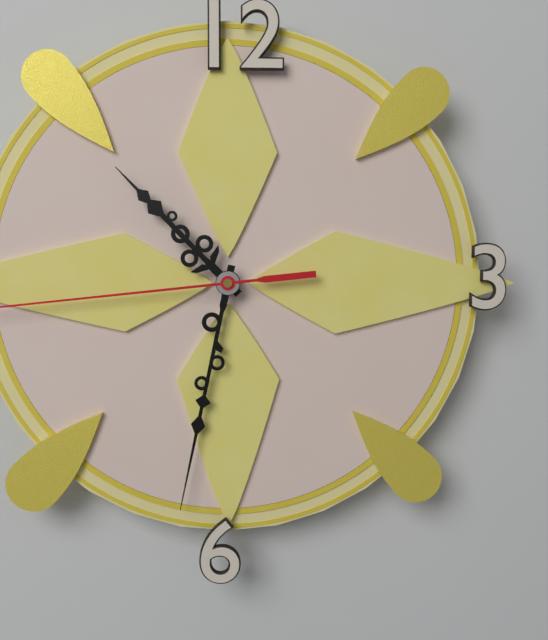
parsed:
10,32
